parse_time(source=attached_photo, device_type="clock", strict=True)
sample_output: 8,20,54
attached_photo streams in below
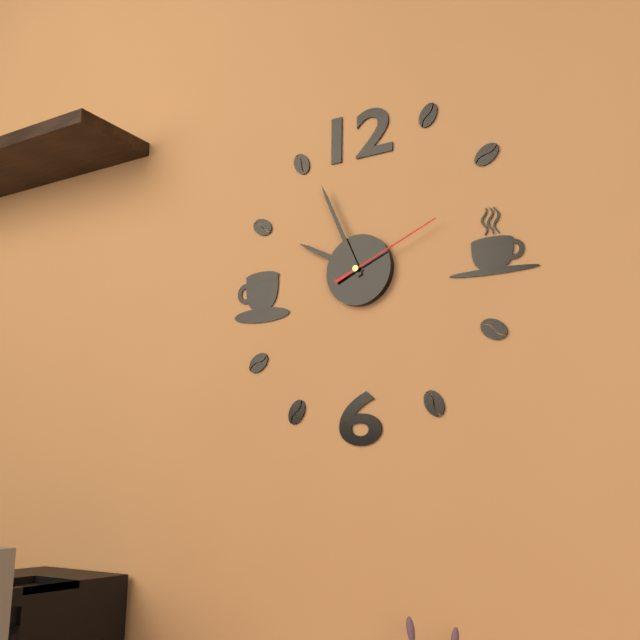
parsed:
9,56,11
